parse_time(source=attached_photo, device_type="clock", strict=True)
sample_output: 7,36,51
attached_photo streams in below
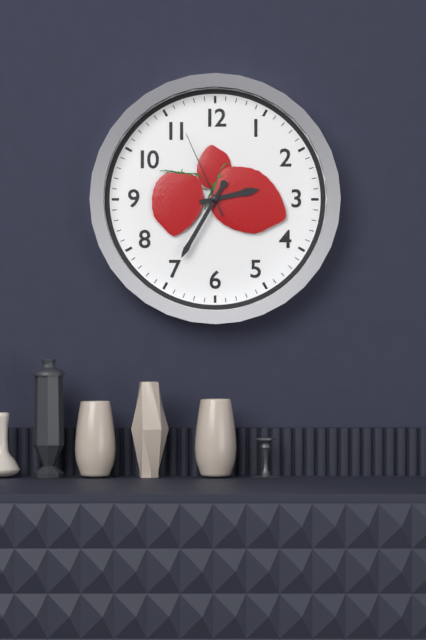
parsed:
2,35,56
